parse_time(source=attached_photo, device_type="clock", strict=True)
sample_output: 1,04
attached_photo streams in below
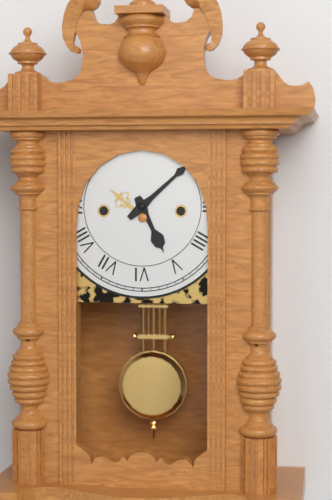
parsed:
5,08
